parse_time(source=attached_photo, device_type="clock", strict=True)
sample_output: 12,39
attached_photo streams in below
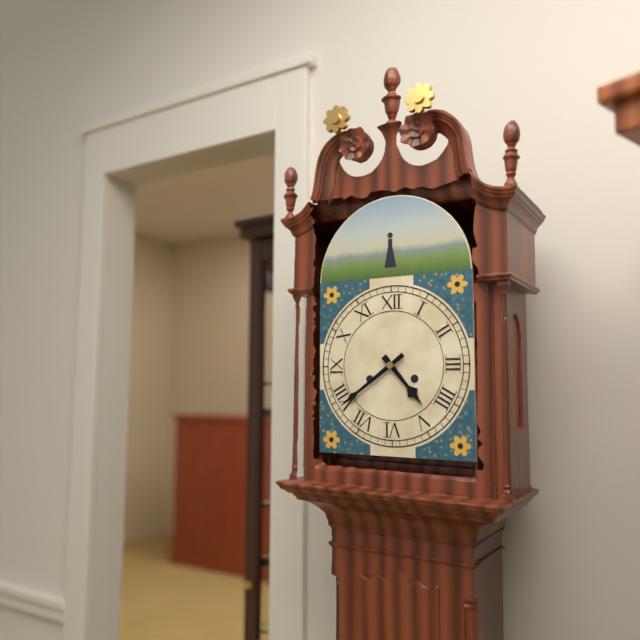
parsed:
4,39
